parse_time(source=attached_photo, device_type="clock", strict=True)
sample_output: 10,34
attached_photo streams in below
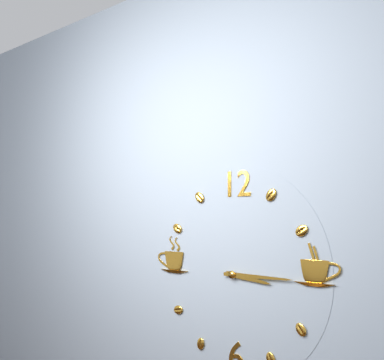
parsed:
3,15
